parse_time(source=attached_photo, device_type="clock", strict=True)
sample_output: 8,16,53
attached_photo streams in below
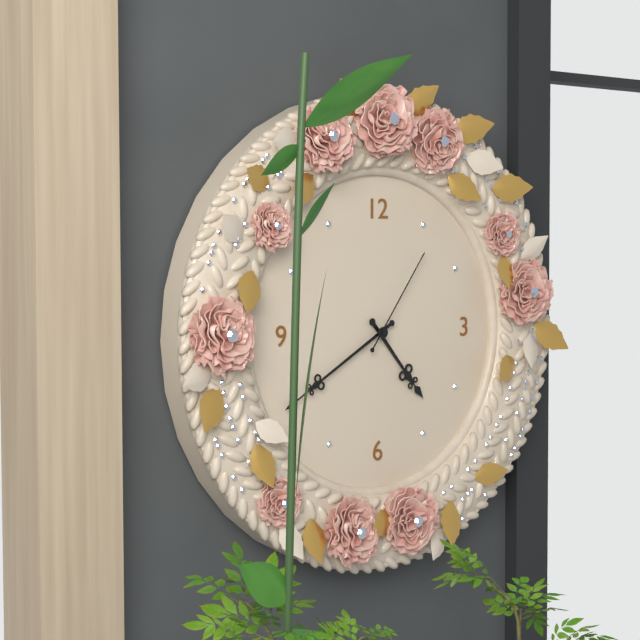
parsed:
4,40,06
